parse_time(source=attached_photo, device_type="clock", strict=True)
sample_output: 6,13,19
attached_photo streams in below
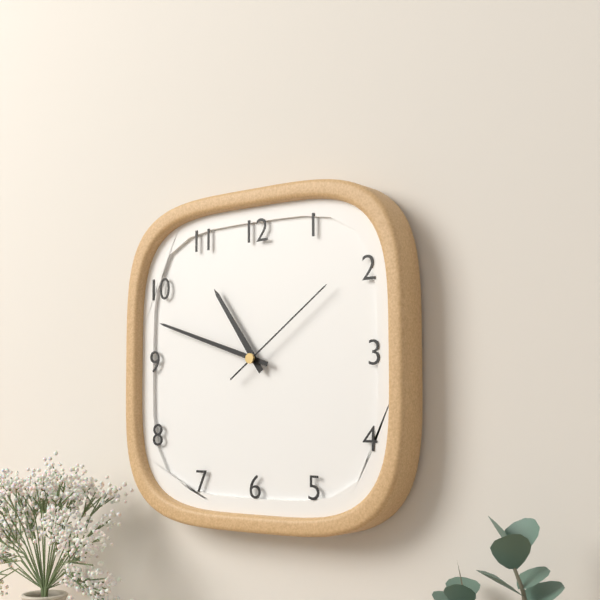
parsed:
10,48,09
